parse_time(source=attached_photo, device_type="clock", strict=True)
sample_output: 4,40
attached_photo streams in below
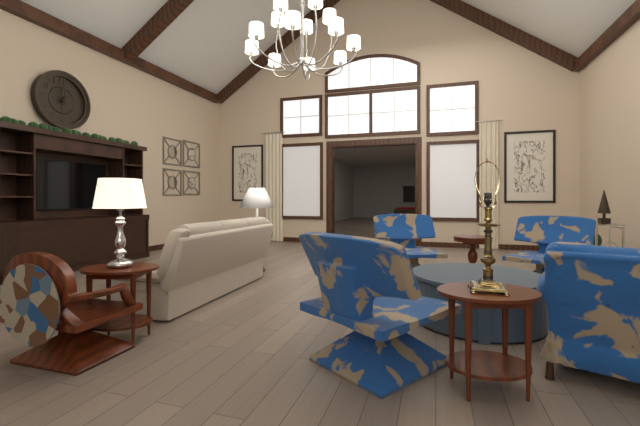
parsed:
1,59
